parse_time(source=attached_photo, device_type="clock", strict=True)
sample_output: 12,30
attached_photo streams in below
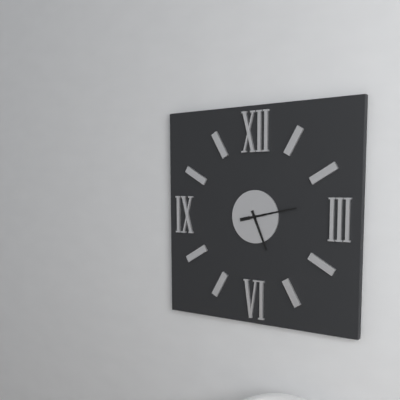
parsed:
5,13
